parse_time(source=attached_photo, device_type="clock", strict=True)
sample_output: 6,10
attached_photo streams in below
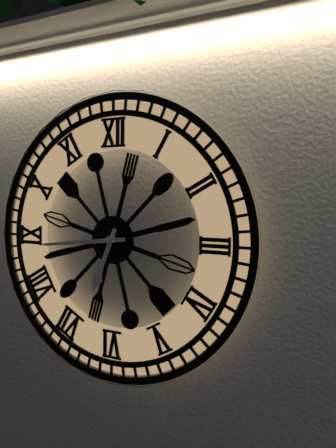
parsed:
6,44
